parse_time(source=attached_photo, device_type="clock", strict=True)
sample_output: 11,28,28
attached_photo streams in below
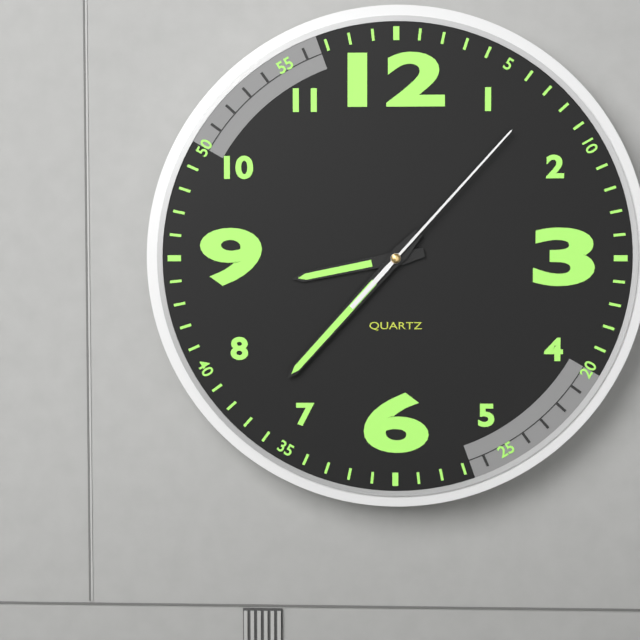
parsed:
8,37,07
